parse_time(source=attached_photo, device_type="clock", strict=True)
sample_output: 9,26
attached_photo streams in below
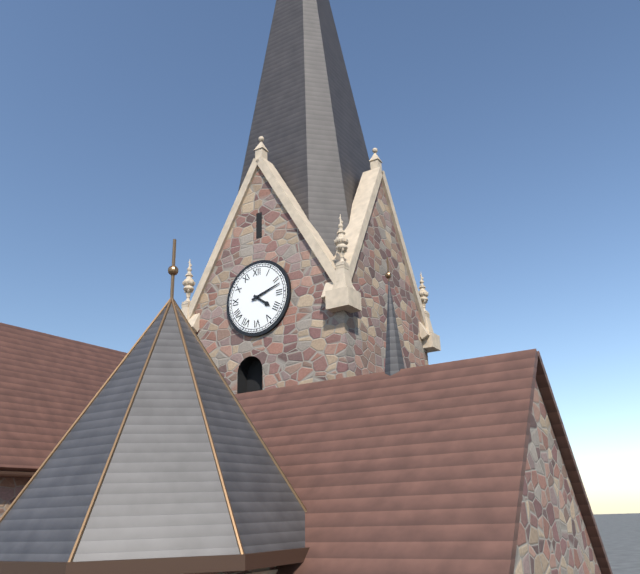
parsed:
4,12
